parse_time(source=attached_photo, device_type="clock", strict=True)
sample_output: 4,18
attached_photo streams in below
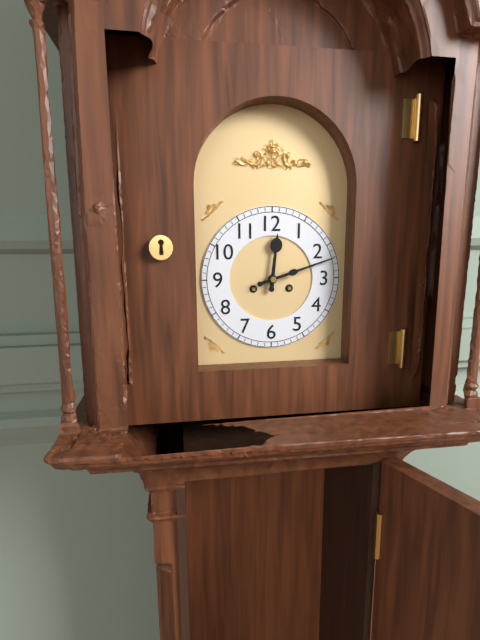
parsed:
12,12
